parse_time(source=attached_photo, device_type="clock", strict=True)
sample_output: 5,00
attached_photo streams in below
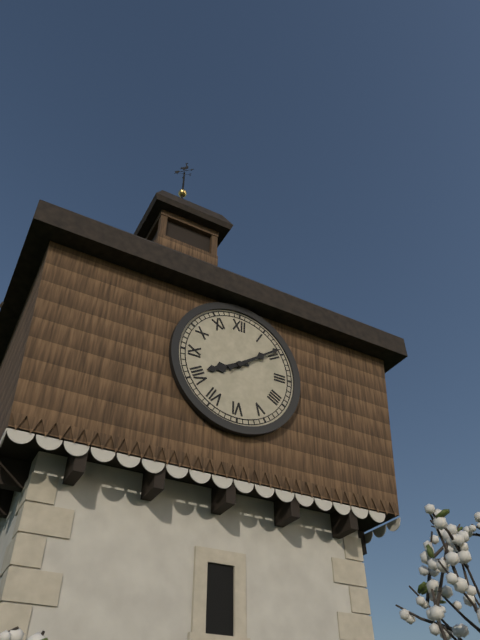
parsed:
8,09
